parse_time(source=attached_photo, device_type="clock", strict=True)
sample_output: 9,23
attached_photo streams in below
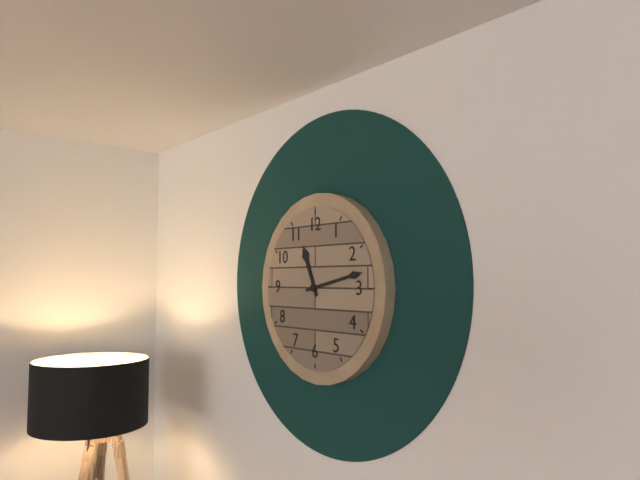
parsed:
11,13
